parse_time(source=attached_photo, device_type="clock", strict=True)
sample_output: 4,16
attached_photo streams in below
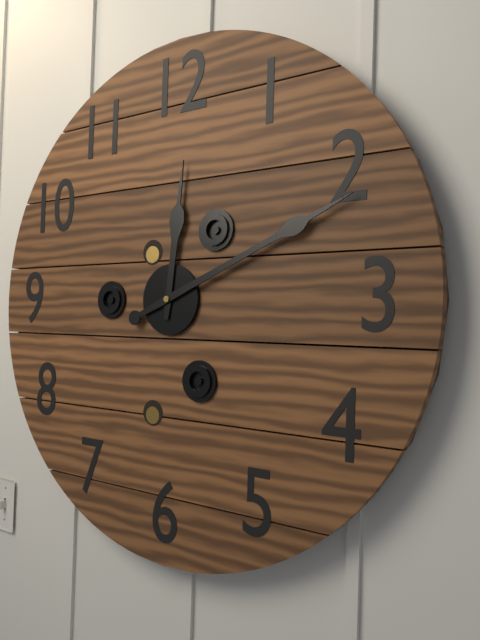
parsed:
12,11
